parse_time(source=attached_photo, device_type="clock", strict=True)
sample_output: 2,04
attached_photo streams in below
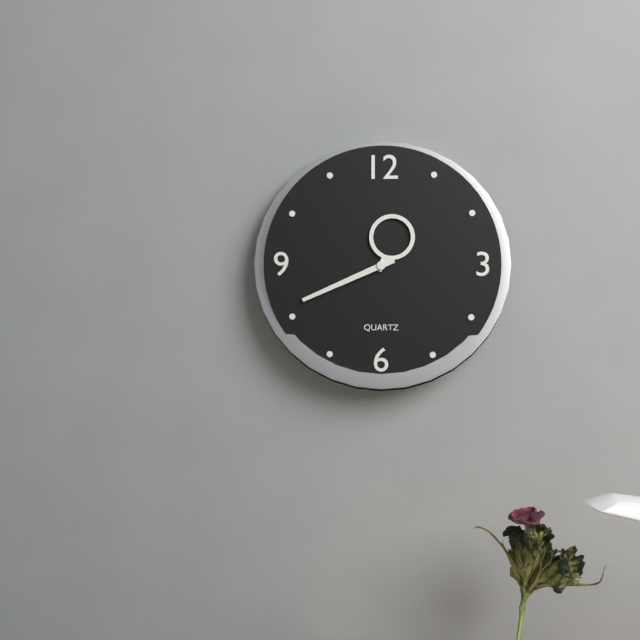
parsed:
12,41
